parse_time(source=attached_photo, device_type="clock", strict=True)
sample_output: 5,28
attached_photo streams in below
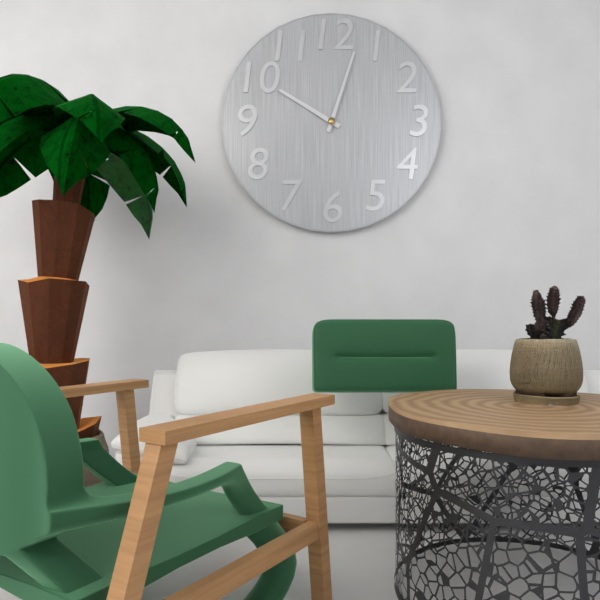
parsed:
10,03
